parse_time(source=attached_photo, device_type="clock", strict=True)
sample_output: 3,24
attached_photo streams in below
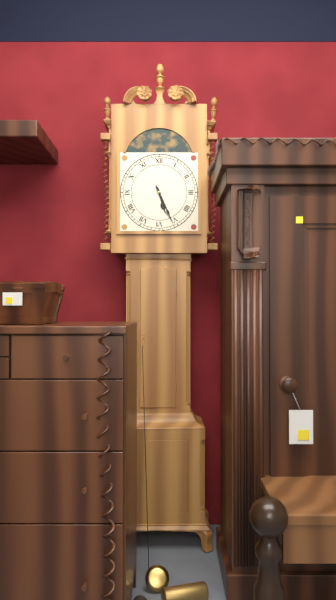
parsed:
5,26
